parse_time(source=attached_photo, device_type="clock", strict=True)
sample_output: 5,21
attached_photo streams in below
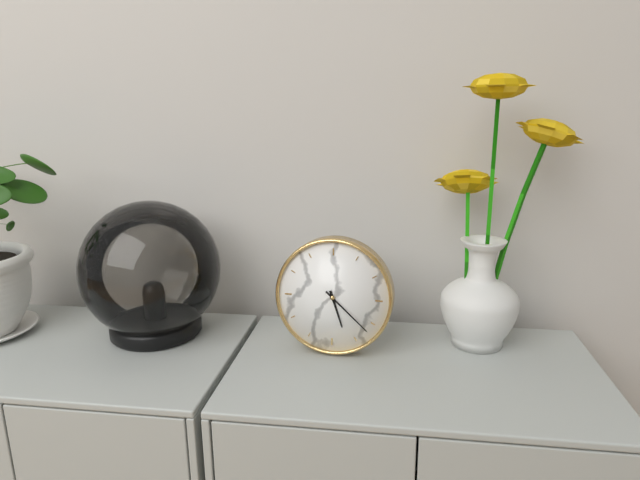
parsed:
5,22
